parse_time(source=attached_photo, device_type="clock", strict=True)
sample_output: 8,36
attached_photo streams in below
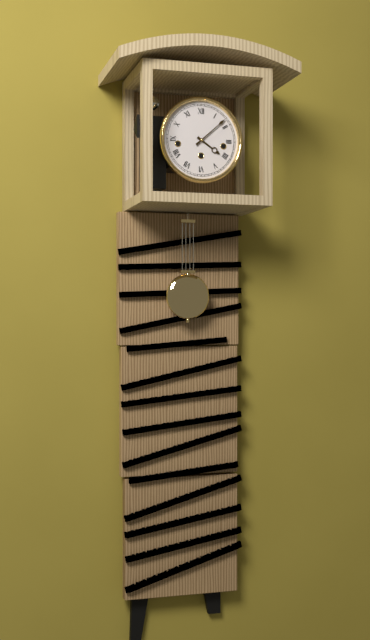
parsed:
4,08
